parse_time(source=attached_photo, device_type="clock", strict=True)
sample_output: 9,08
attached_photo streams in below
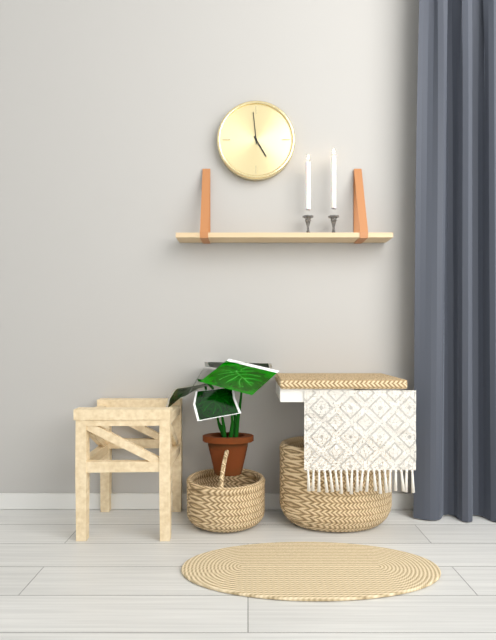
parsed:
4,59
